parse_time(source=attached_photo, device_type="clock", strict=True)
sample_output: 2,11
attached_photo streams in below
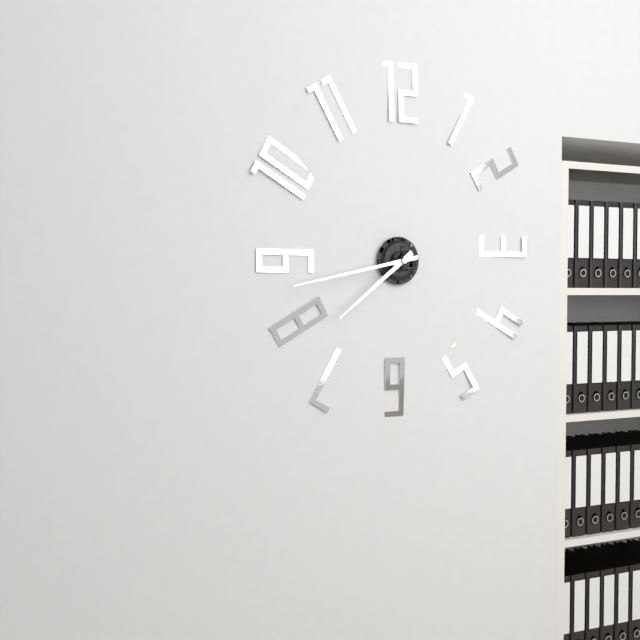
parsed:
7,43
